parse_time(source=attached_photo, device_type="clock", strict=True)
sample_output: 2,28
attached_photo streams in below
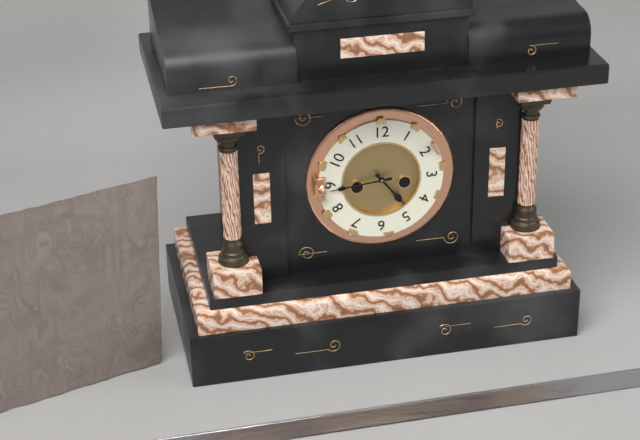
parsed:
4,44
